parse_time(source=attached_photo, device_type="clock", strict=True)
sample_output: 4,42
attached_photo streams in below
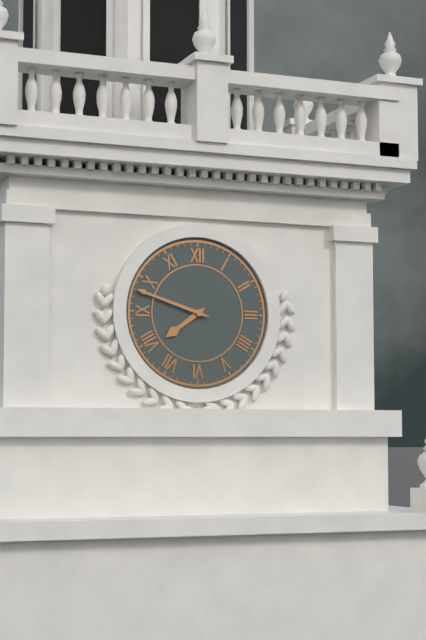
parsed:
7,48
